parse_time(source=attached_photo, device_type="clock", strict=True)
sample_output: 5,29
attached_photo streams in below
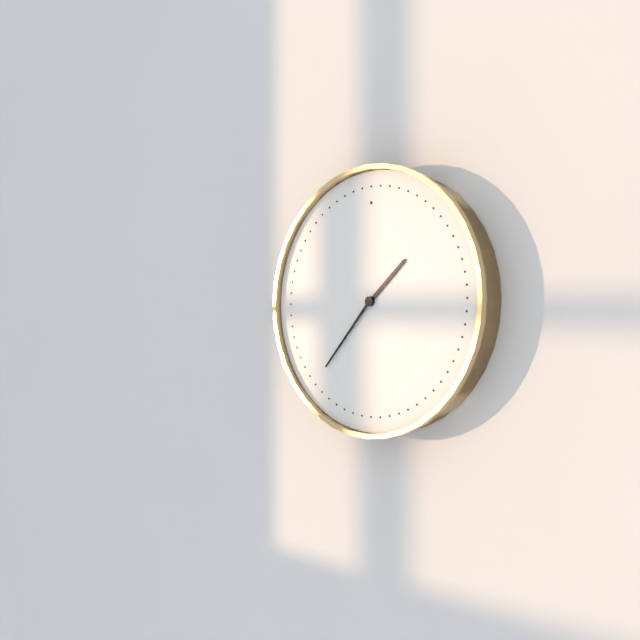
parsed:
1,37
